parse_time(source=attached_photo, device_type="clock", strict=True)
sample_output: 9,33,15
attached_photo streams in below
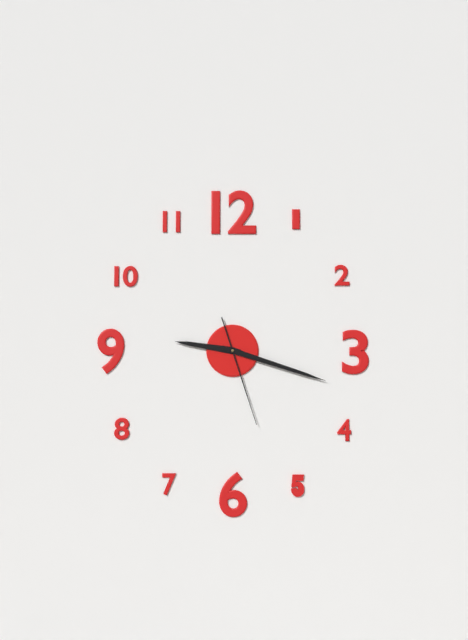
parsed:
9,18,27
